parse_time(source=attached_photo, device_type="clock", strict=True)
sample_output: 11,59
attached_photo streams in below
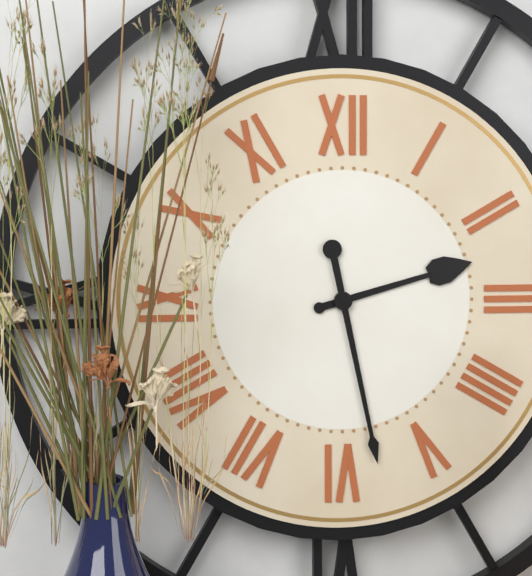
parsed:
2,28
